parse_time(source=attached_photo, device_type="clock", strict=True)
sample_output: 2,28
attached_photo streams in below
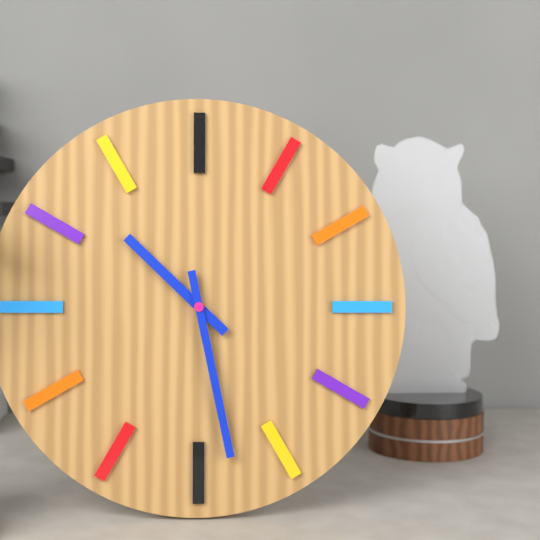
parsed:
10,28
